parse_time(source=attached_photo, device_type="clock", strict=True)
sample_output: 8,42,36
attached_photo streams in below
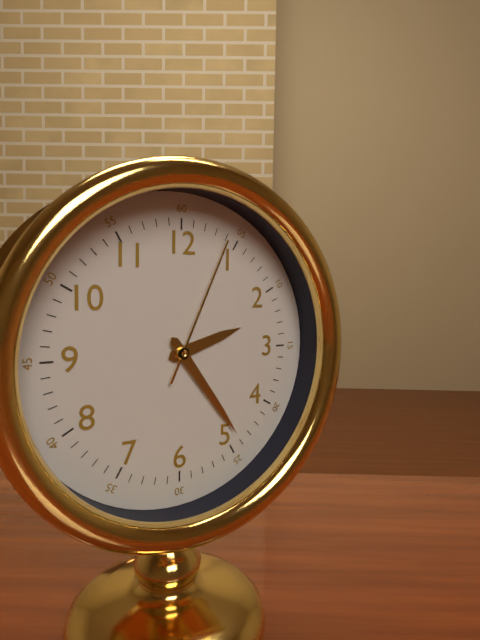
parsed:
2,24,04
